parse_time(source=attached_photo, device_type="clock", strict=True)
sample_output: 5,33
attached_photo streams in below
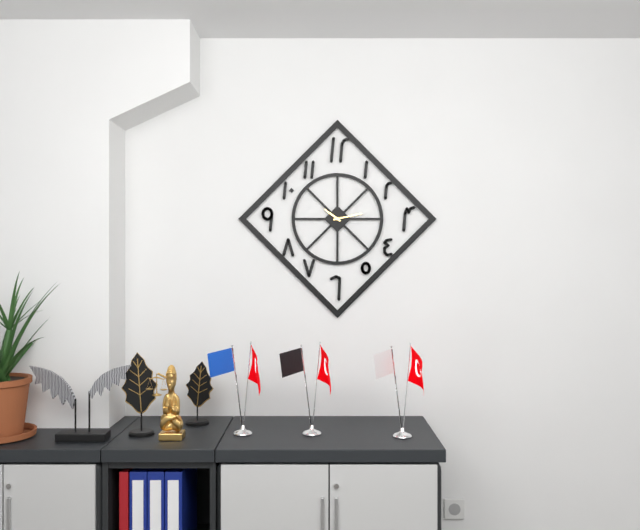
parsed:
10,13
